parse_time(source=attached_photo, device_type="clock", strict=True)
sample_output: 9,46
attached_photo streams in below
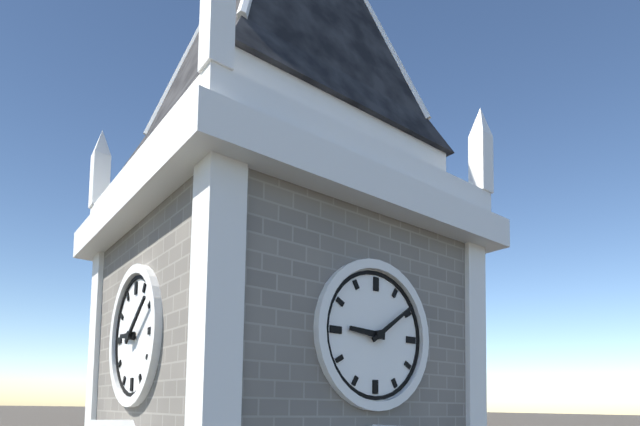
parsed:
9,09
